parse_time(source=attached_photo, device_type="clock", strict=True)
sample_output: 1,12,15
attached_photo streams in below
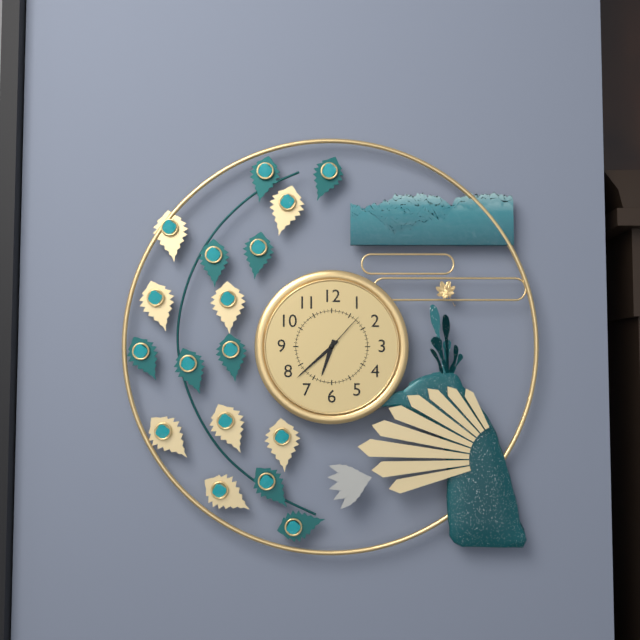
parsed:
6,38,07
